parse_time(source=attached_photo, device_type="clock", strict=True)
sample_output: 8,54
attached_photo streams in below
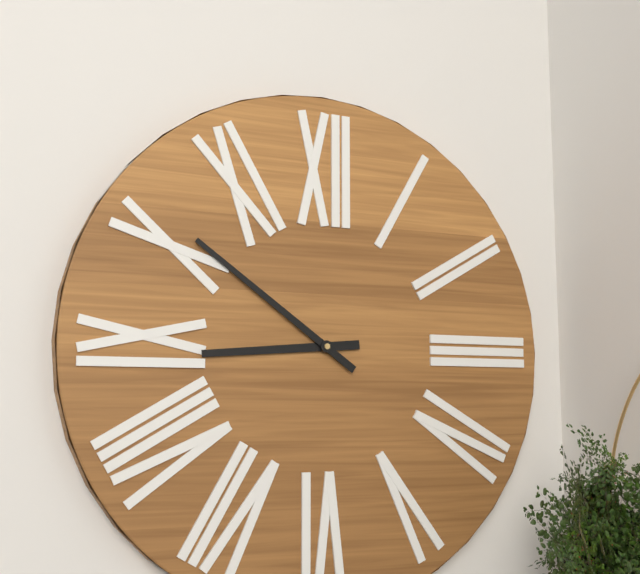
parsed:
8,51
